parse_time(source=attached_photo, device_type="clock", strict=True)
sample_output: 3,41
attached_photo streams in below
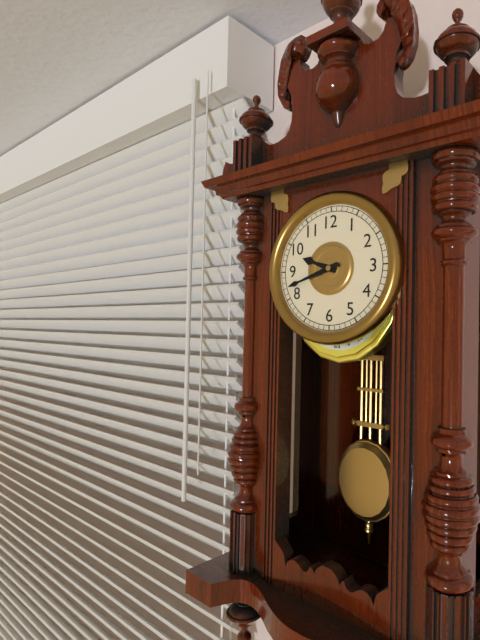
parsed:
9,42
